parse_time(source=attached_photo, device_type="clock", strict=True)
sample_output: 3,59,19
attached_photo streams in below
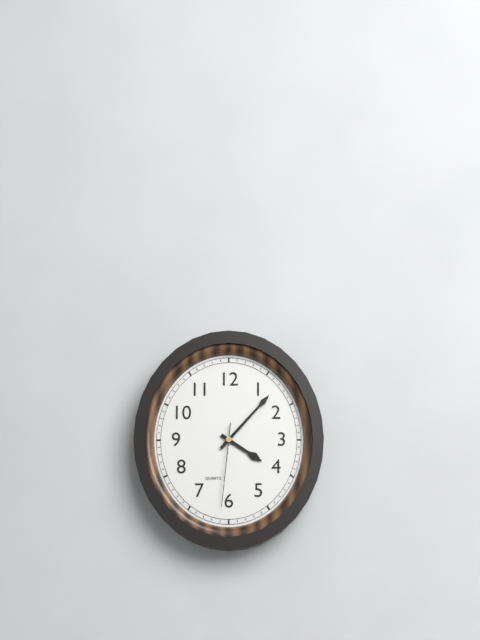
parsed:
4,07,31
